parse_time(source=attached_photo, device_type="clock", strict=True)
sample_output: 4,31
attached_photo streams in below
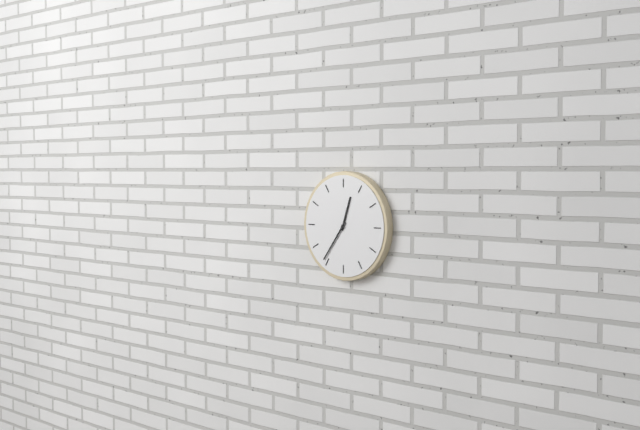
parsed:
12,36
